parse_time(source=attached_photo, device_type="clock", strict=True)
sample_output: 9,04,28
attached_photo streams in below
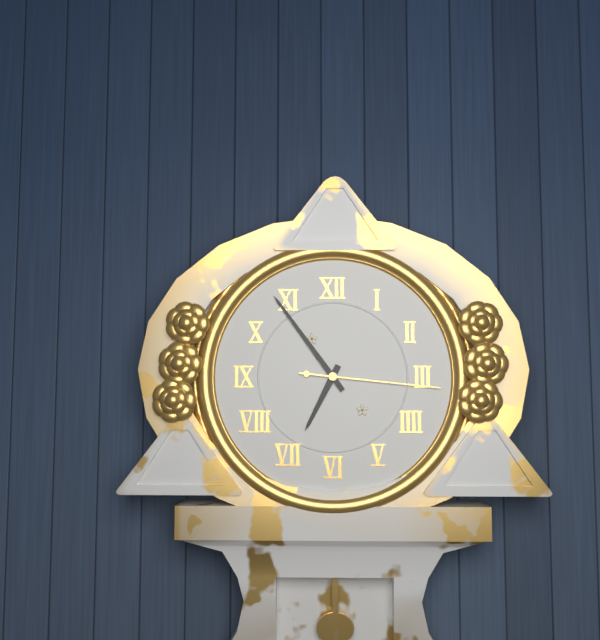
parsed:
6,54,16
